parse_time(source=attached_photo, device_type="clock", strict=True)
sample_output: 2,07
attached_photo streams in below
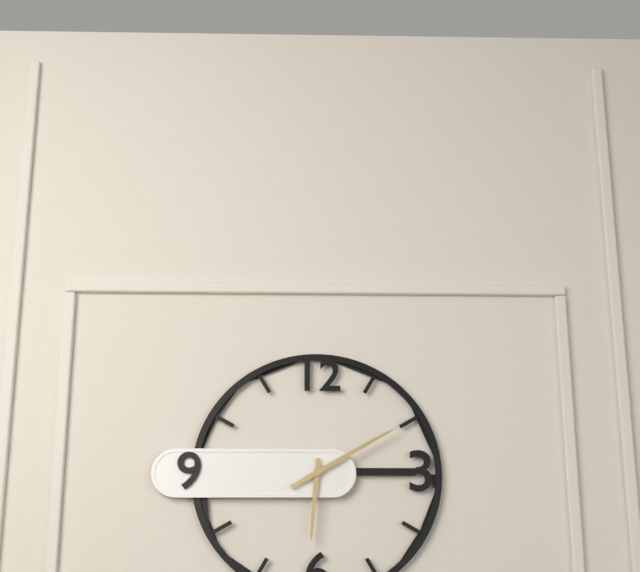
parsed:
6,10
